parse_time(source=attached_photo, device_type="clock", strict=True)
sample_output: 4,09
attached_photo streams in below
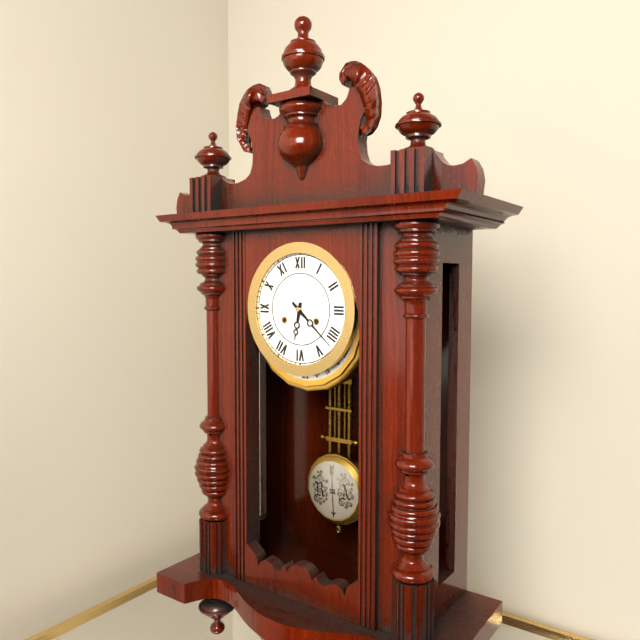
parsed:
6,22
